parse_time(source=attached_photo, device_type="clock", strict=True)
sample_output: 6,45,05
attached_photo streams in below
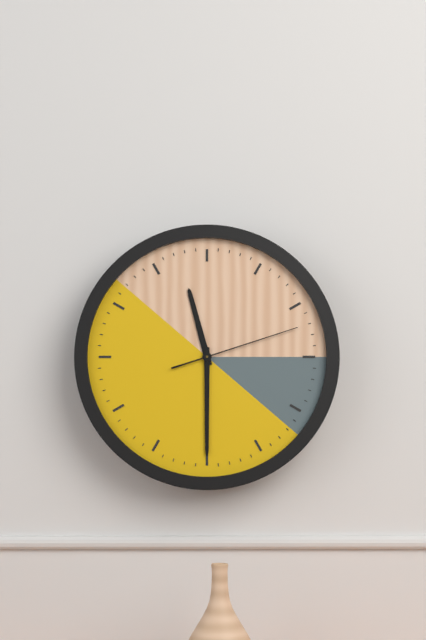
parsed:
11,30,12
